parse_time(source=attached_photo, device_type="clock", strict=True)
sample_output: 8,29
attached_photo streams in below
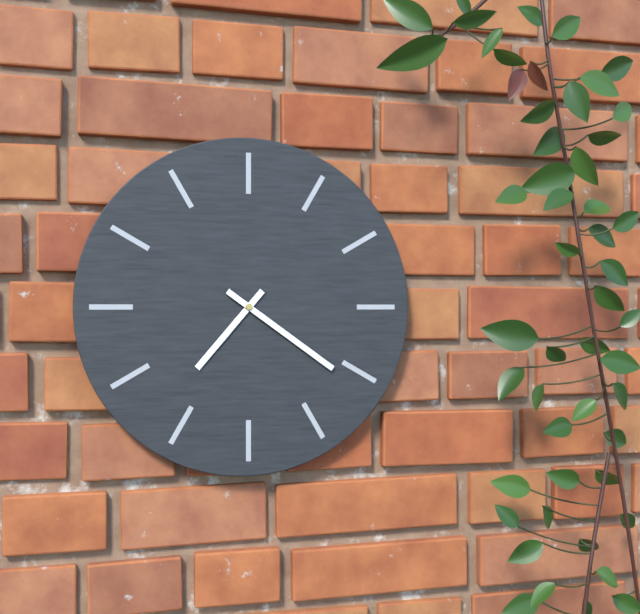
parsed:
7,21
